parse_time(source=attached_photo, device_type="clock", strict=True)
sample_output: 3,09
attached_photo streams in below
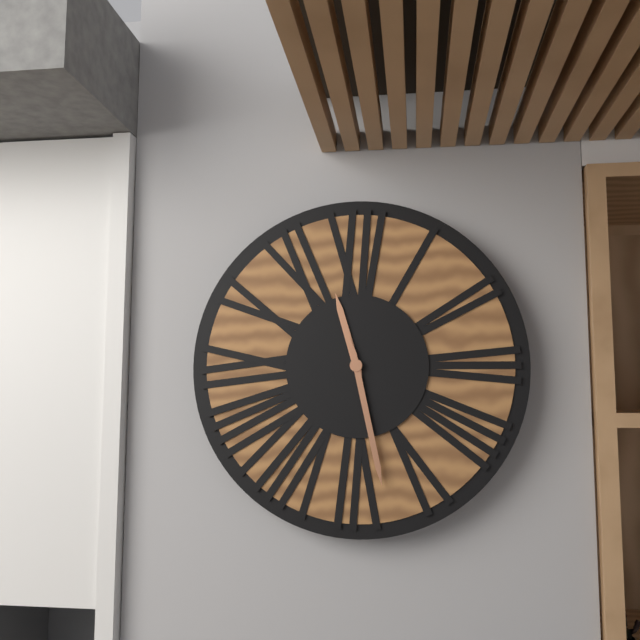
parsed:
11,28
